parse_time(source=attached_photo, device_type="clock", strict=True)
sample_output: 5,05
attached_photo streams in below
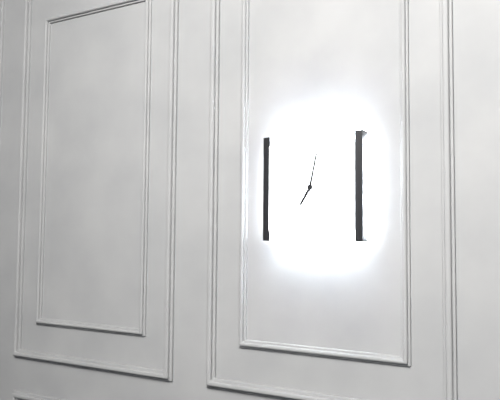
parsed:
7,02
